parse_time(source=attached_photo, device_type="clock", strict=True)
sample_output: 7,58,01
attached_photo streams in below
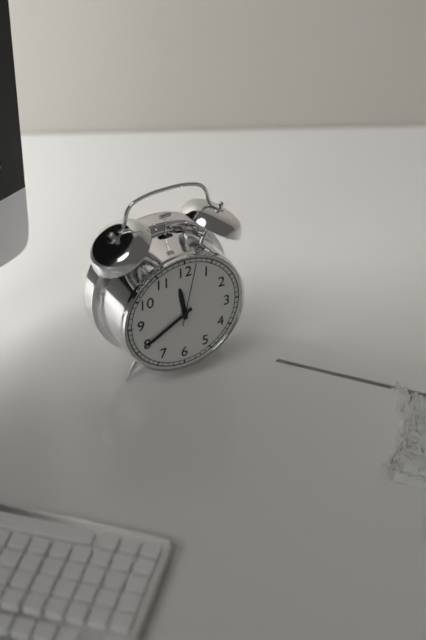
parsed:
11,40,02
